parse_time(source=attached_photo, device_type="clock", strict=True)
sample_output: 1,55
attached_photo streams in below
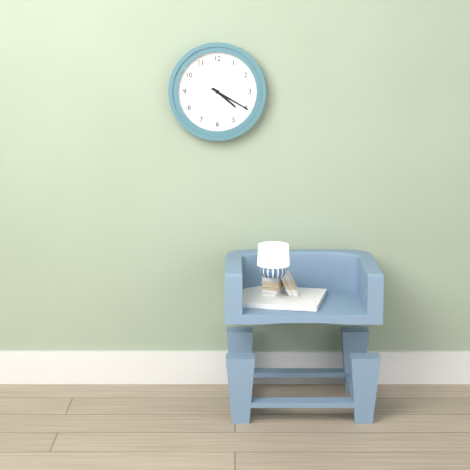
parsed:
4,20
